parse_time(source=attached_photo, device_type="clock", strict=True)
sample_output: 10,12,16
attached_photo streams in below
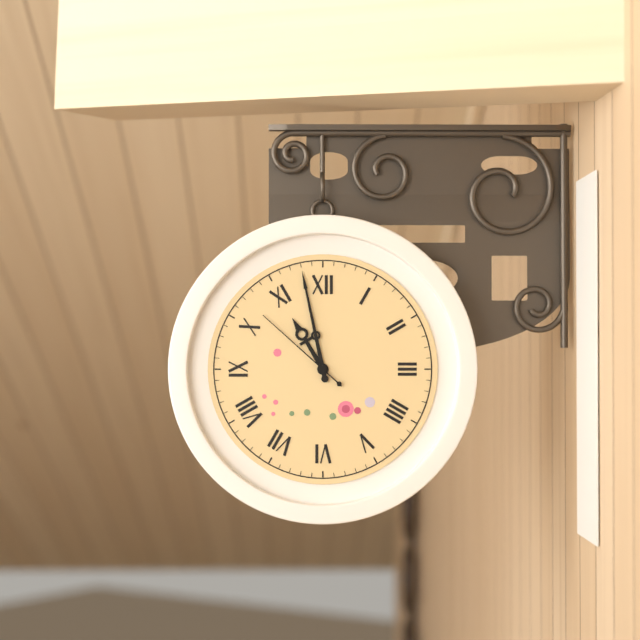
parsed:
10,58,52
